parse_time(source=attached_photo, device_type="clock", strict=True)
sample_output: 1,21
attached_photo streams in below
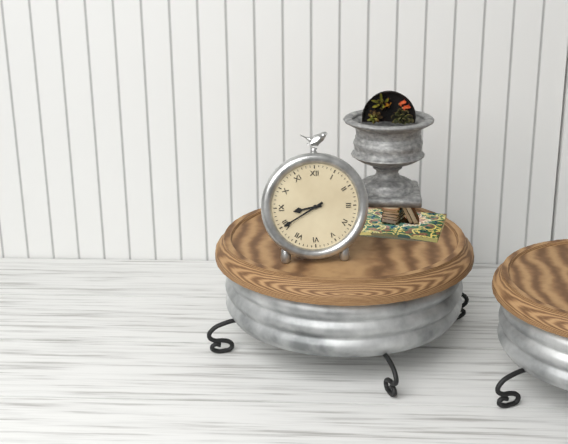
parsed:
8,40
